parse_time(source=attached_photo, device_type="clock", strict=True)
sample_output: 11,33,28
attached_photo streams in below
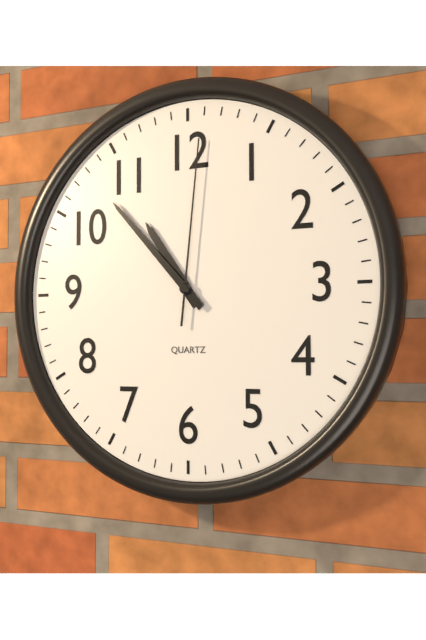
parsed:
10,53,01
